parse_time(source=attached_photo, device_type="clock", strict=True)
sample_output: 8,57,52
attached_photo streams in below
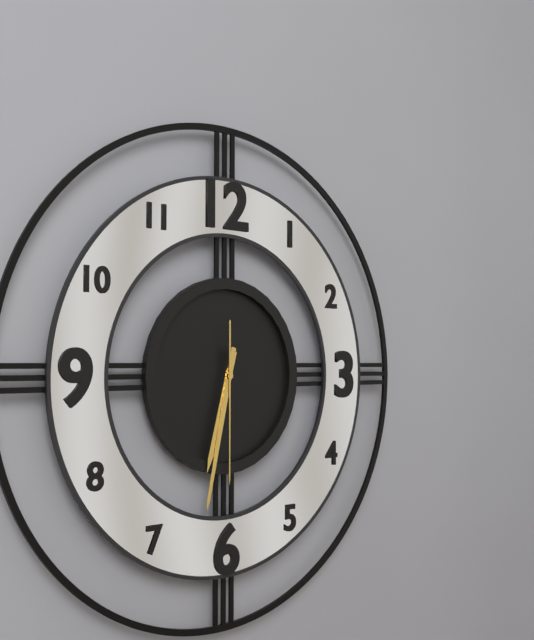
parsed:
6,32,30
